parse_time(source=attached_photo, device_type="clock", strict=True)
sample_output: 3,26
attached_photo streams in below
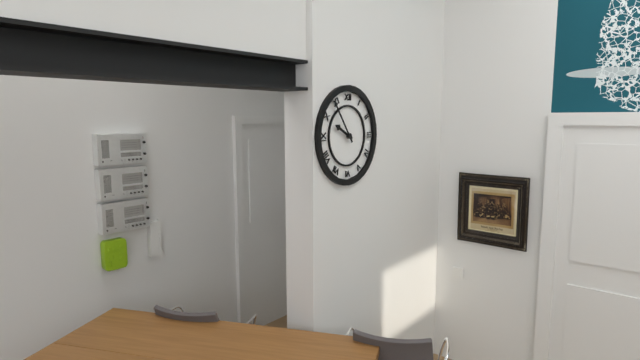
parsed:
9,54
